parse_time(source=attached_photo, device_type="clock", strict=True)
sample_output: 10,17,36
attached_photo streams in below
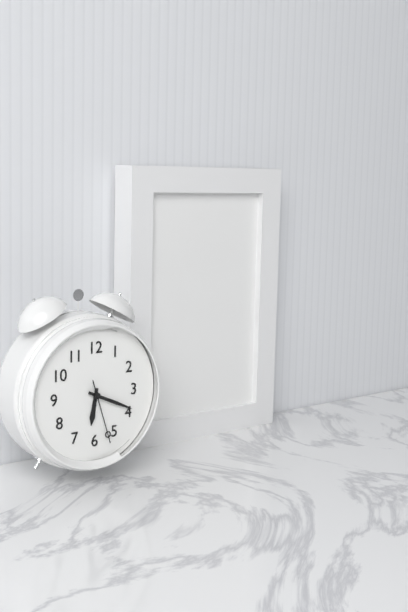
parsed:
6,19,27
